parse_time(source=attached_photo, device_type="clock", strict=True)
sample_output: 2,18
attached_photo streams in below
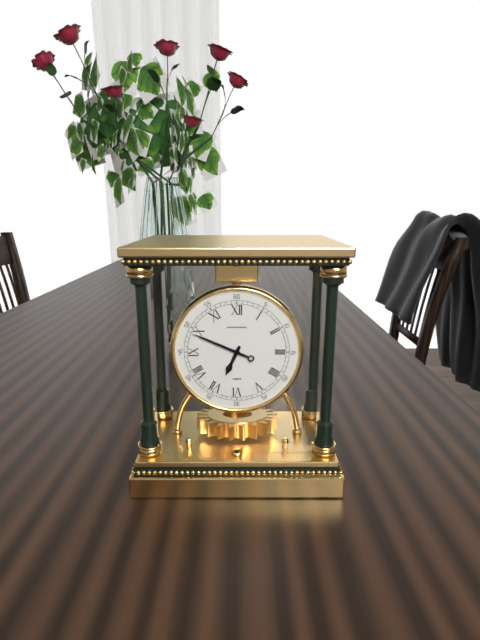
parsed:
6,49
